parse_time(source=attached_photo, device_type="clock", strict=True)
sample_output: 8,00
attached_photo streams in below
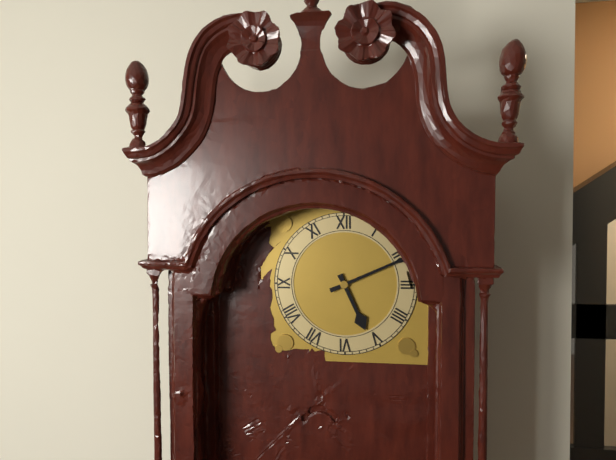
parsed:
5,11
